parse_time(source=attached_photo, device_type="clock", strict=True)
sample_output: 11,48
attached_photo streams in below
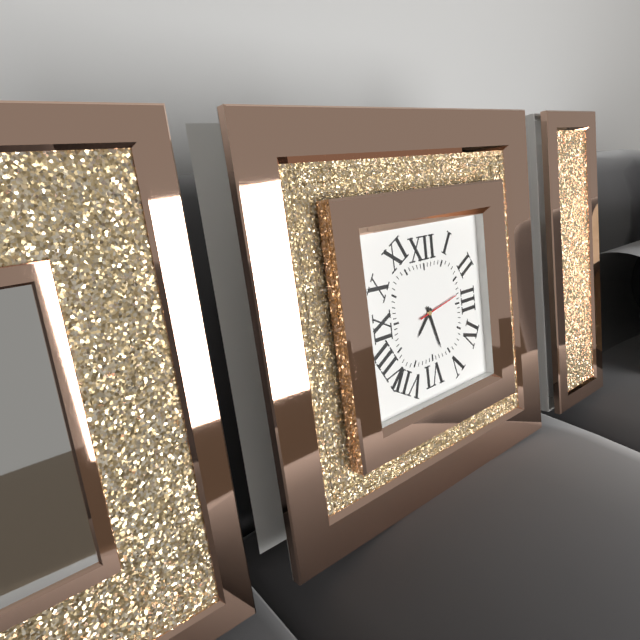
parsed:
7,27
